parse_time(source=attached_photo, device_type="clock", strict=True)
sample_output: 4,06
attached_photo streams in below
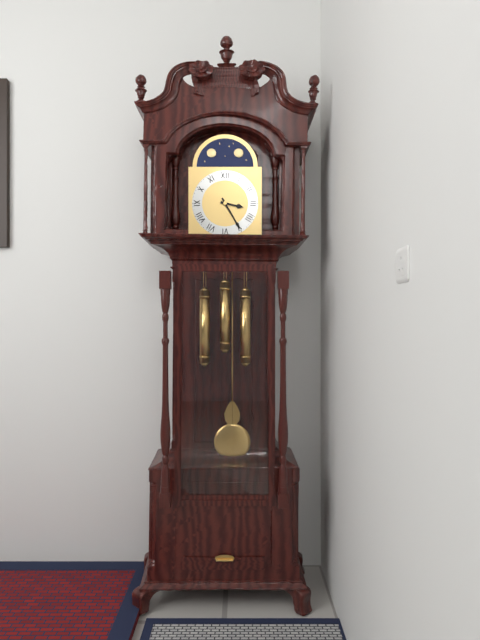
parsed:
3,25
